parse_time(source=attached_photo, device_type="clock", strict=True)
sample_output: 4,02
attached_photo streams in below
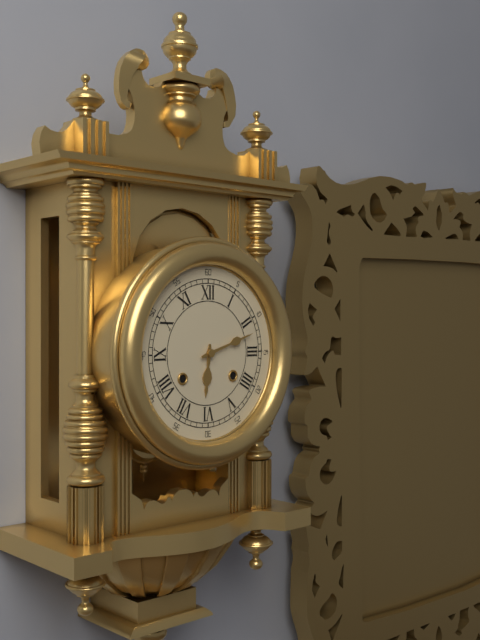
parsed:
6,12
